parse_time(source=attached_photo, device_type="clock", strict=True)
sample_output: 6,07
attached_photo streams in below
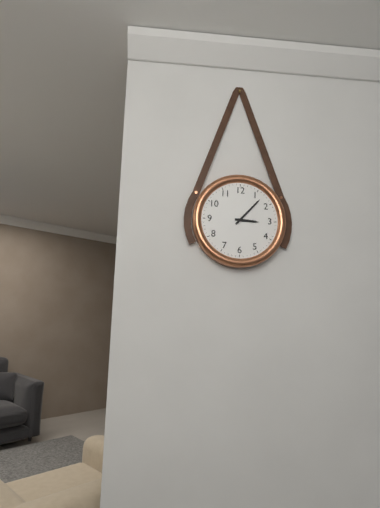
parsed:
3,07
